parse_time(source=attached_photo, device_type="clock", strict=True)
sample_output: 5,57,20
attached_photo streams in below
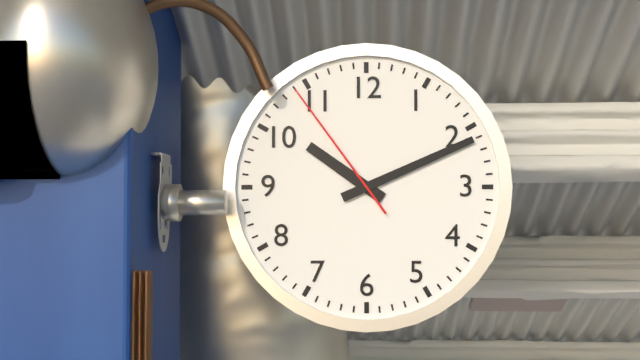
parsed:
10,11,54
